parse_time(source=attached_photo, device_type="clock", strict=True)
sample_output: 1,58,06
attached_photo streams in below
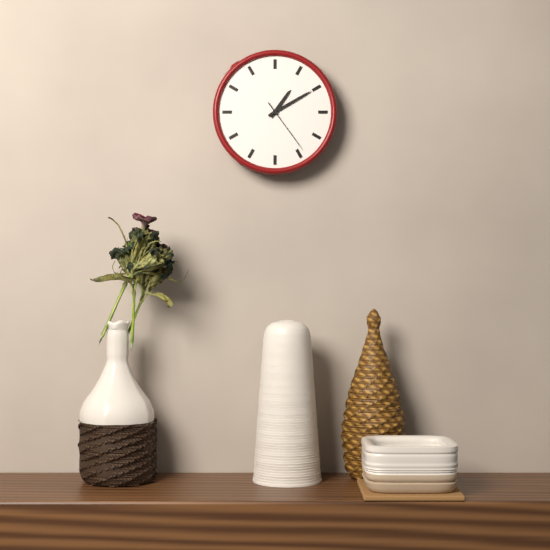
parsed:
1,10,24
